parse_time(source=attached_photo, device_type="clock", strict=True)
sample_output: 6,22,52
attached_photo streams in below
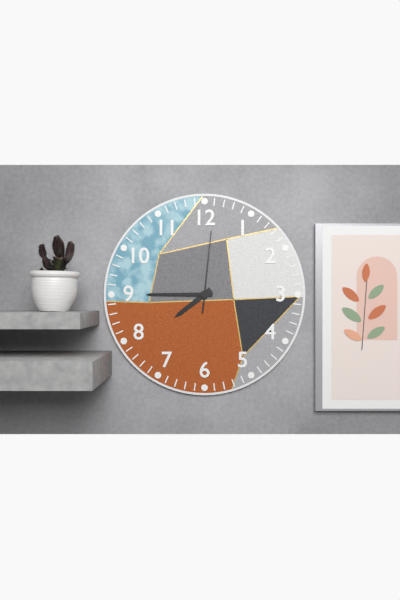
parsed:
7,45,01
